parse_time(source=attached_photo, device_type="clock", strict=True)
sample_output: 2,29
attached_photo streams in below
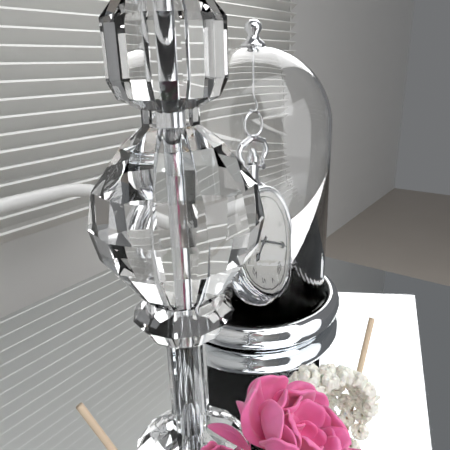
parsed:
7,15
